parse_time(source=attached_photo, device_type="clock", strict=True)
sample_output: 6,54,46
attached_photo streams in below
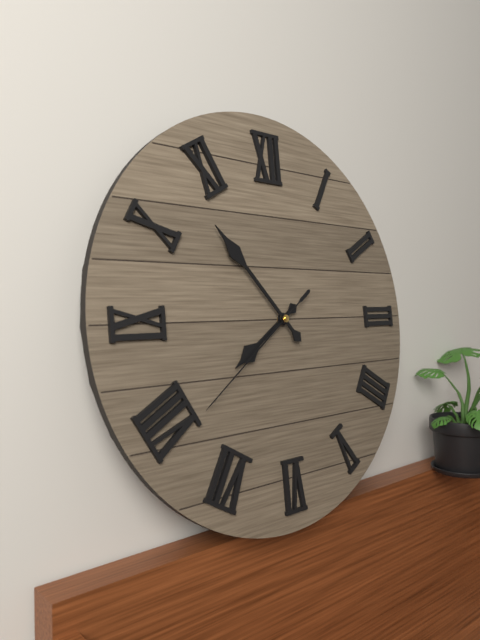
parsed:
7,53,39
